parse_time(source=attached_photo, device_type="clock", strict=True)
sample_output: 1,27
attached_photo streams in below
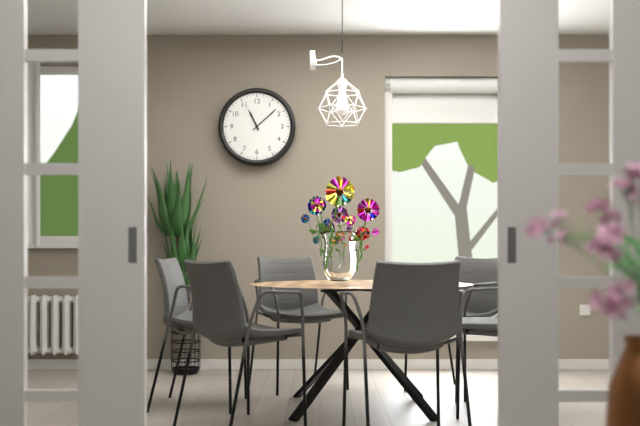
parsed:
11,08
